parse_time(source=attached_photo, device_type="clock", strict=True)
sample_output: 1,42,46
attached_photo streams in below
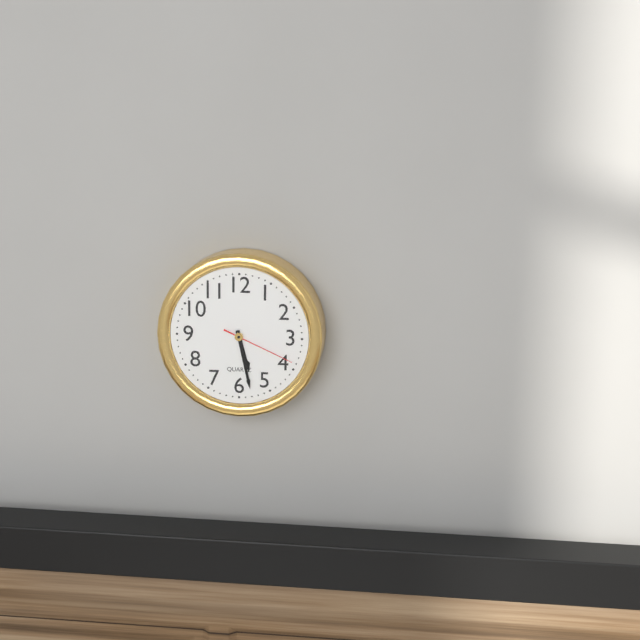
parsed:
5,28,19
